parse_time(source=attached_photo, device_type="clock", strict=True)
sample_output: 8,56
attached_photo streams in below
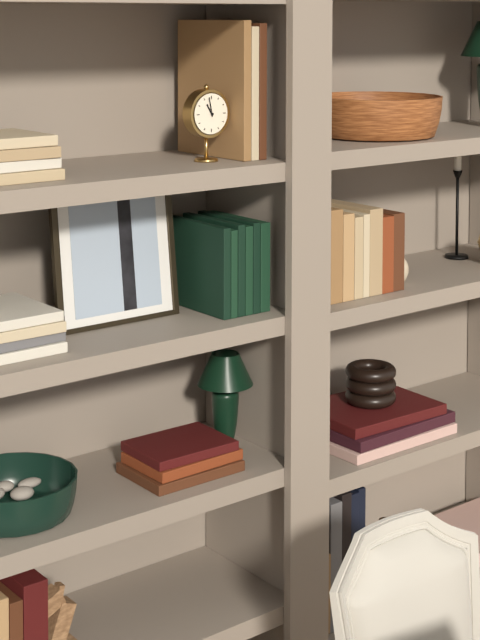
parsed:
10,58
